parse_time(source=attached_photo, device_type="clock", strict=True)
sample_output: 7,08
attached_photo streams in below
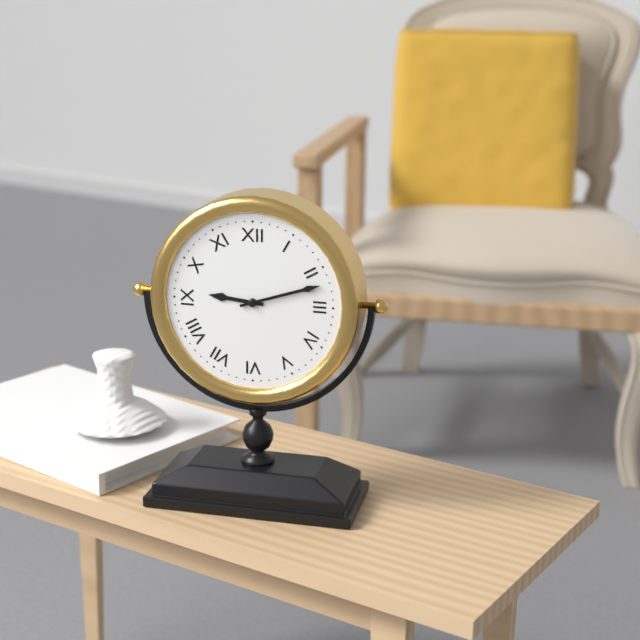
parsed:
9,12
